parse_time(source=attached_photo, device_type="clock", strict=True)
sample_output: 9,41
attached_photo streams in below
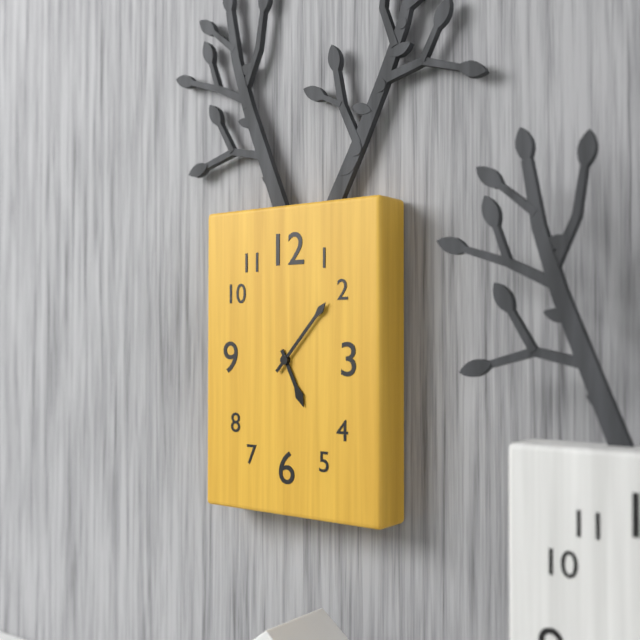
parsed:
5,07
